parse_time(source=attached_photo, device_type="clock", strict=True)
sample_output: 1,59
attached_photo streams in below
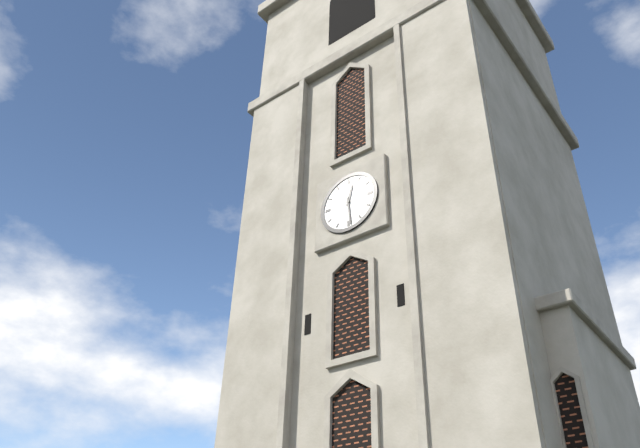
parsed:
12,29
